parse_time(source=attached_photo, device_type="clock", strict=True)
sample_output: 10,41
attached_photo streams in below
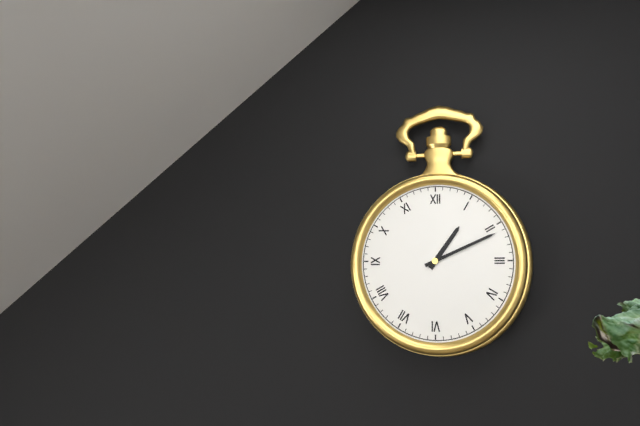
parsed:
1,11
